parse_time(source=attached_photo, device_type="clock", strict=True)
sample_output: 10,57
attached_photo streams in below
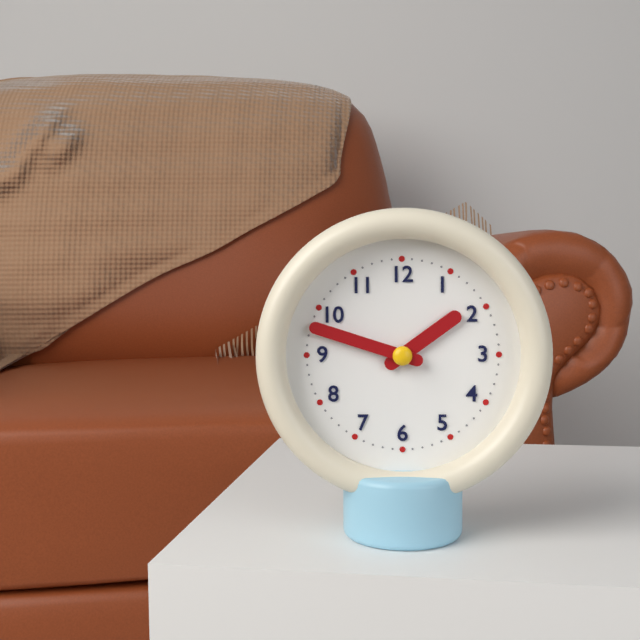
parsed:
1,48
